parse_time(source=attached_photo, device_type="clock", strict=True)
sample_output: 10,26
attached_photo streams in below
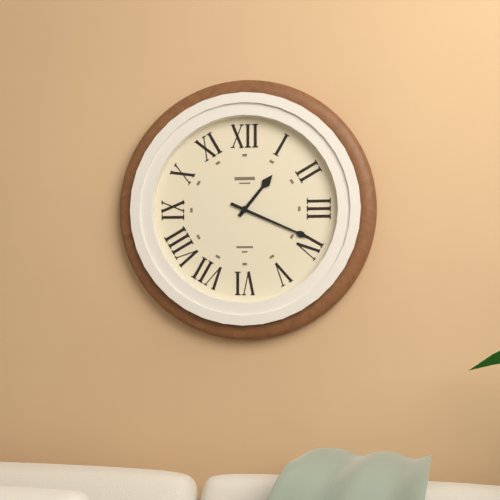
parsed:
1,19
